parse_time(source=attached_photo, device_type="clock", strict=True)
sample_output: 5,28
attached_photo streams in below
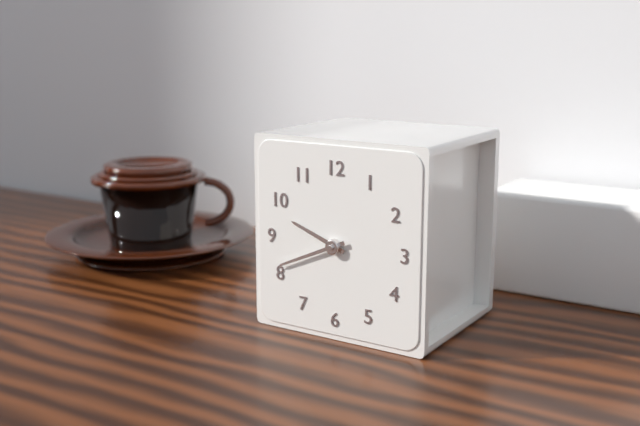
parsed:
9,41
